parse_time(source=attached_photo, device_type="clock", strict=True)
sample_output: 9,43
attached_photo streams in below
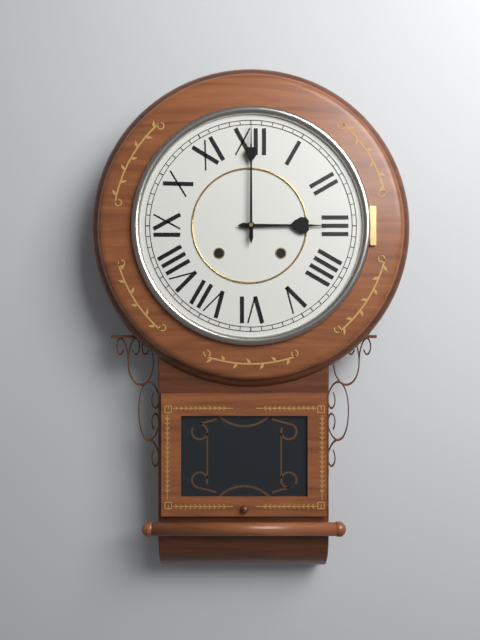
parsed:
3,00
